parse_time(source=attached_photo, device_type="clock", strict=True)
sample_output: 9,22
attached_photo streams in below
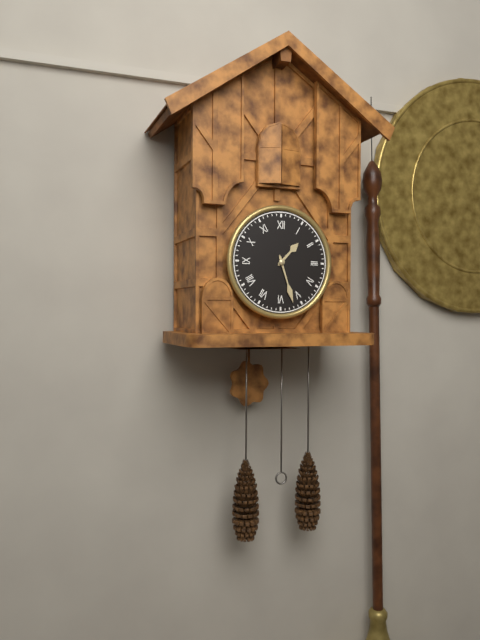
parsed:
1,27
